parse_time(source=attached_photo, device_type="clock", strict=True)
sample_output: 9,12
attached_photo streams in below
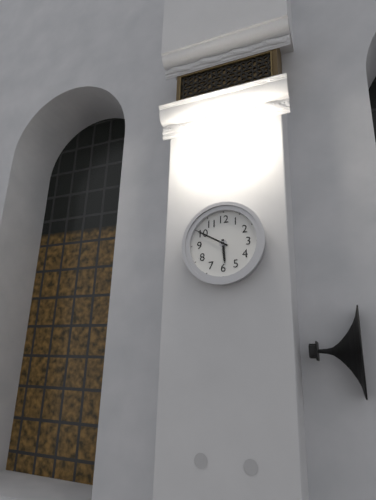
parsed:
5,50
